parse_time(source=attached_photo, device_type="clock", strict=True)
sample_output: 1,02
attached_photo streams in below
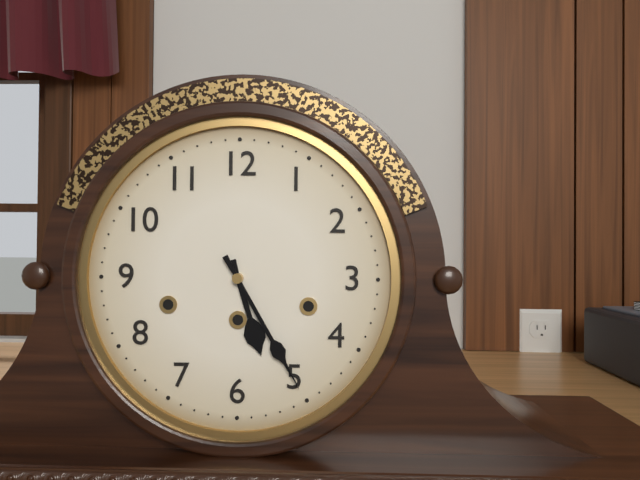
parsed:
5,25
